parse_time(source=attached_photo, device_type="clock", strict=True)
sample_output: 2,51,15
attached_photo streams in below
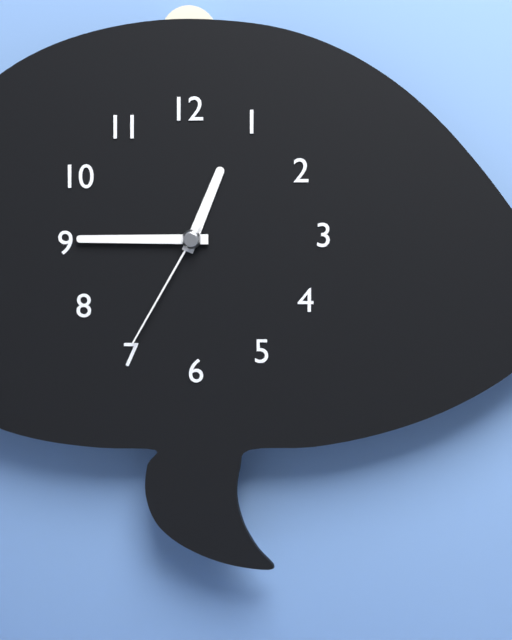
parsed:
12,45,35
